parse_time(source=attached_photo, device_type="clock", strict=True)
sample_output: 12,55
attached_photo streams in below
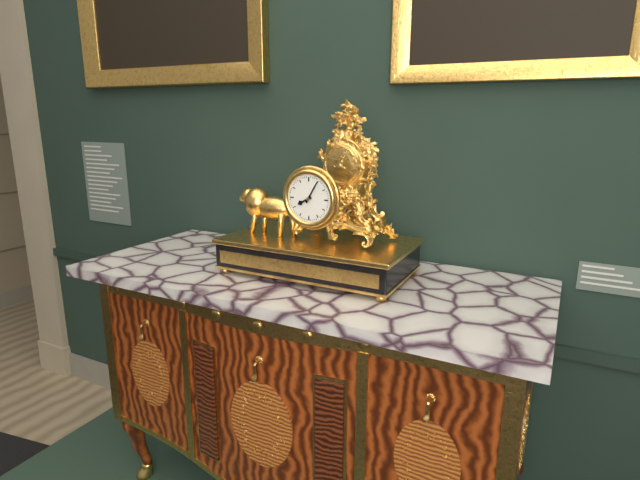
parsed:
8,05
